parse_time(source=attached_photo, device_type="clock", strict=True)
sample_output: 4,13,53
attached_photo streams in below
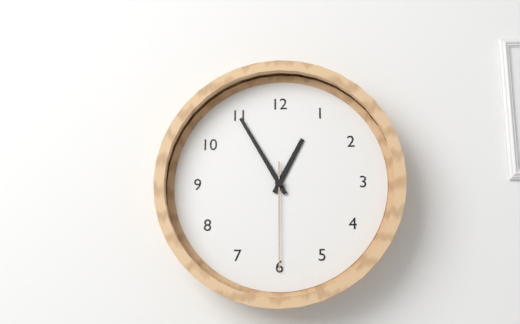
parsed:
12,55,30
